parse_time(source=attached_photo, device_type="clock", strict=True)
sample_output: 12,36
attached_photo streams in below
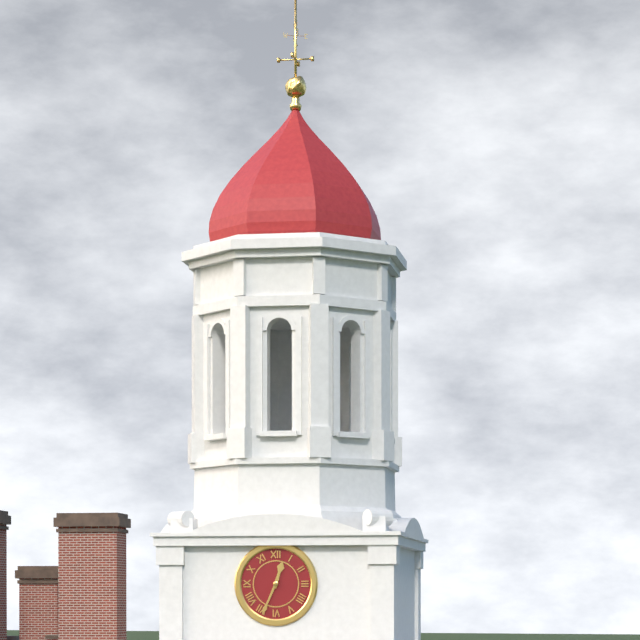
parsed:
12,34
